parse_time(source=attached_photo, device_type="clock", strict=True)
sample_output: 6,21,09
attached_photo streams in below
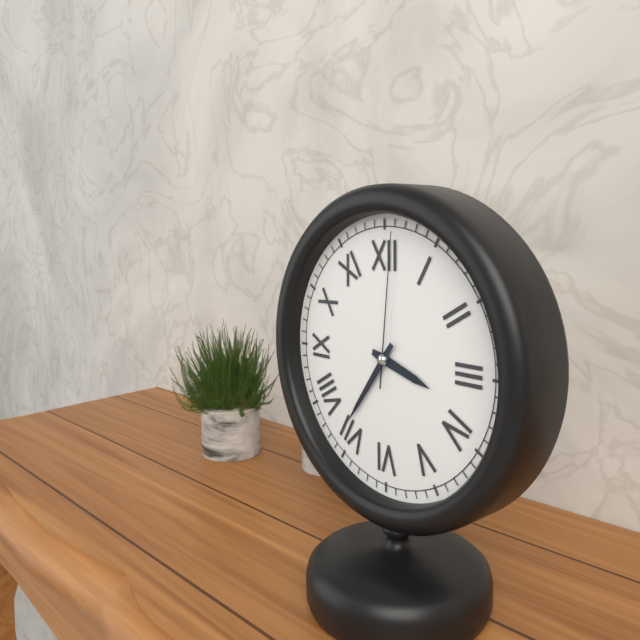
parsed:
3,36,01
